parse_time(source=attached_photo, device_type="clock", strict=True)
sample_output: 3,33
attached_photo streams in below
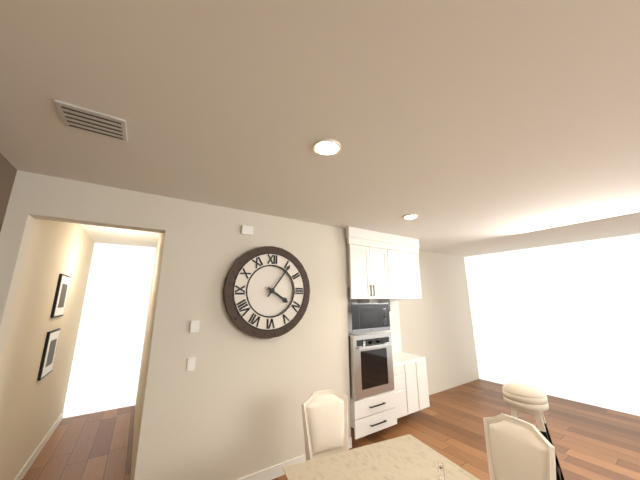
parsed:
4,06
